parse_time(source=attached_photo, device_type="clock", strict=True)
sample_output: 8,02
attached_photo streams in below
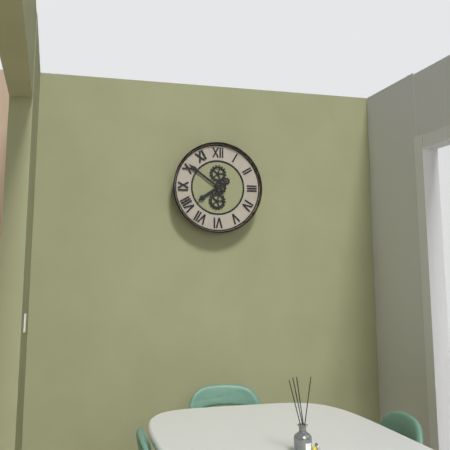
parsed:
7,51
